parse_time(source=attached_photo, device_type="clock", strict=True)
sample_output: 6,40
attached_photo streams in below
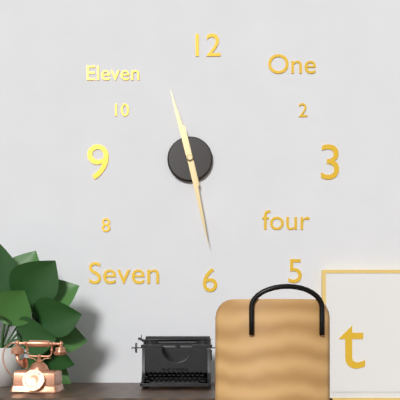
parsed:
11,28
